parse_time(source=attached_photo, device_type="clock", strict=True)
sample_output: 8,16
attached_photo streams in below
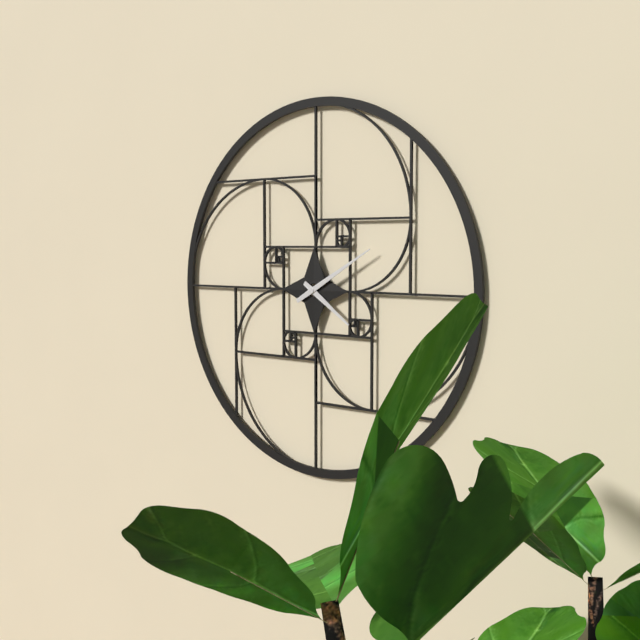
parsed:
4,10
